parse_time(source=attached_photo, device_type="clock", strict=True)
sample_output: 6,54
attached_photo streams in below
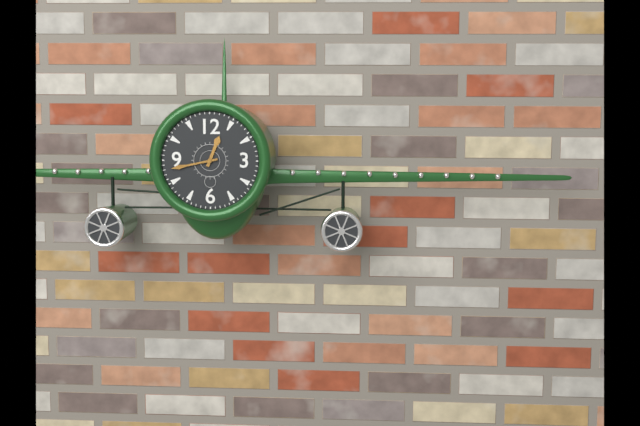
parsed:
12,43
